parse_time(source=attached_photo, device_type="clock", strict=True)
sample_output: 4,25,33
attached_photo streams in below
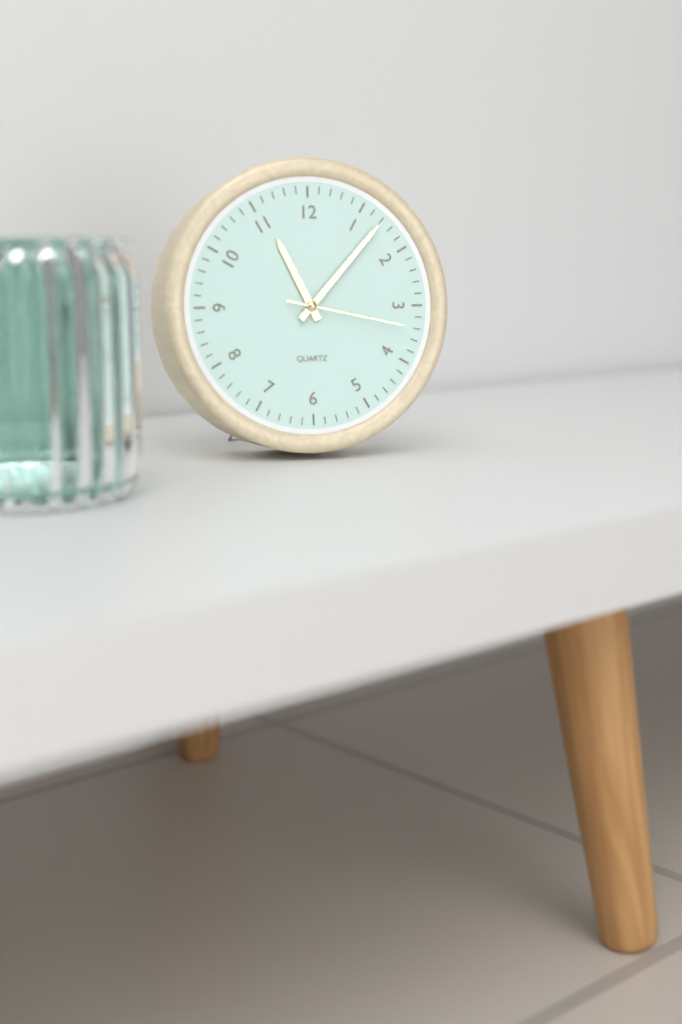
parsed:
11,07,17
